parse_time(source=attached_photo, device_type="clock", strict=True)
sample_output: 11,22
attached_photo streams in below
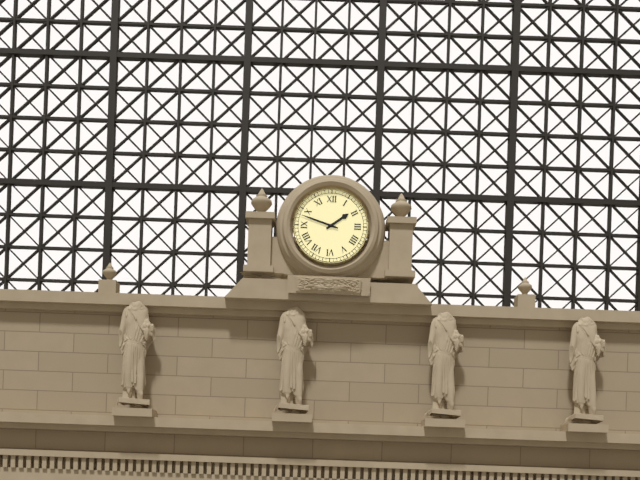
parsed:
1,48
